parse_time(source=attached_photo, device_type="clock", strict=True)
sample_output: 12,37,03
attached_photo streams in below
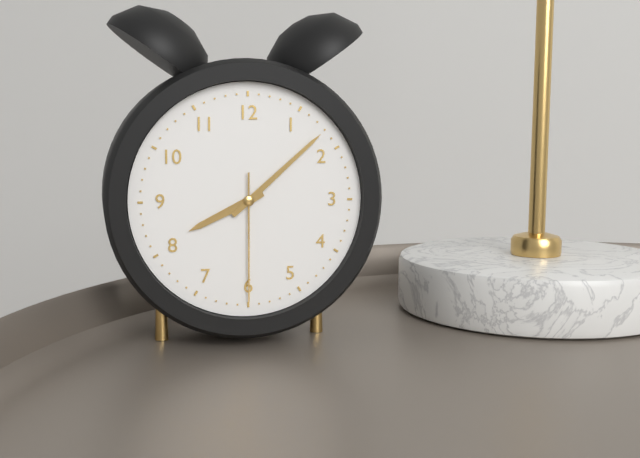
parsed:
8,08,30
